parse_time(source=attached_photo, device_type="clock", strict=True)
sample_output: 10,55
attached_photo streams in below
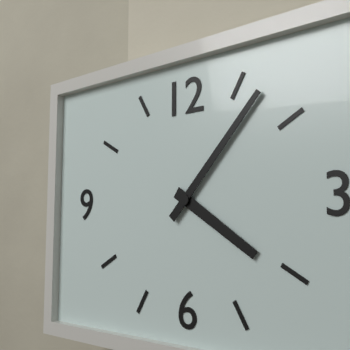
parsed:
4,07
